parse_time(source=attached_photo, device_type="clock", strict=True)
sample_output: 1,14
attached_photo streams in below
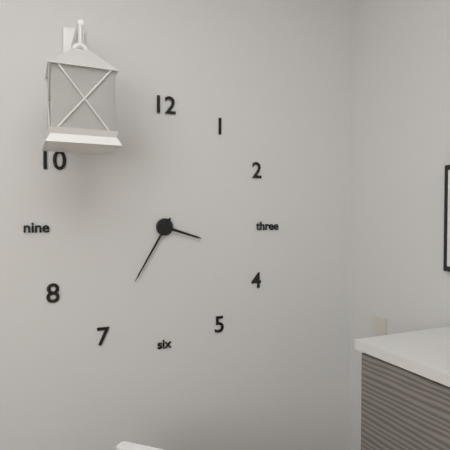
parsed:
3,35
